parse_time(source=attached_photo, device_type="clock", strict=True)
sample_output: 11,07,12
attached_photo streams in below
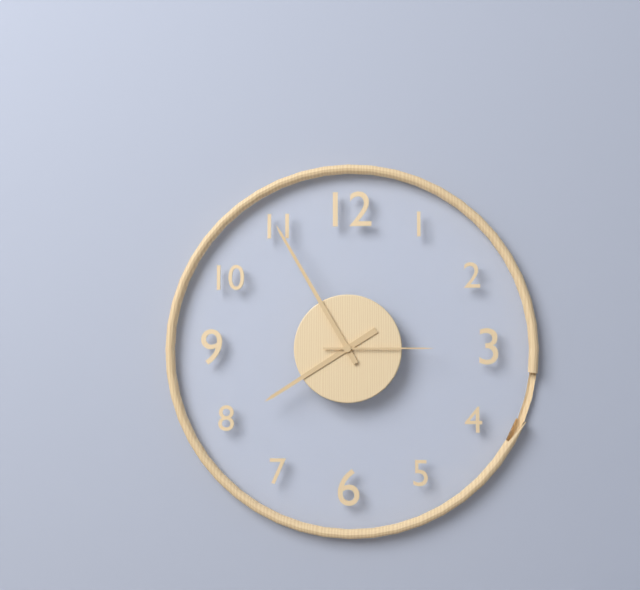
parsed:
7,55,15
